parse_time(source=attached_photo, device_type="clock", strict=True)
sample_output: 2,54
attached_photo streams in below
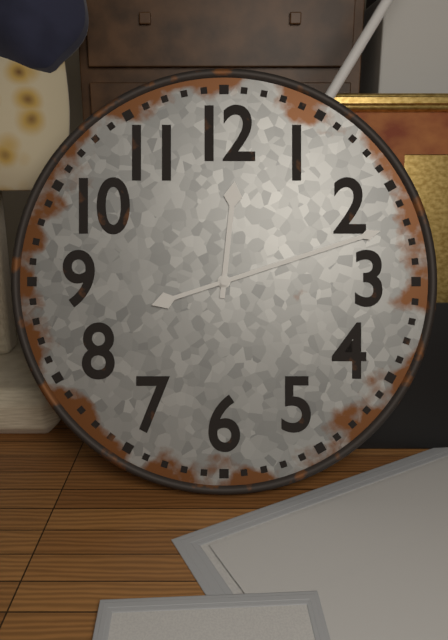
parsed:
12,12
